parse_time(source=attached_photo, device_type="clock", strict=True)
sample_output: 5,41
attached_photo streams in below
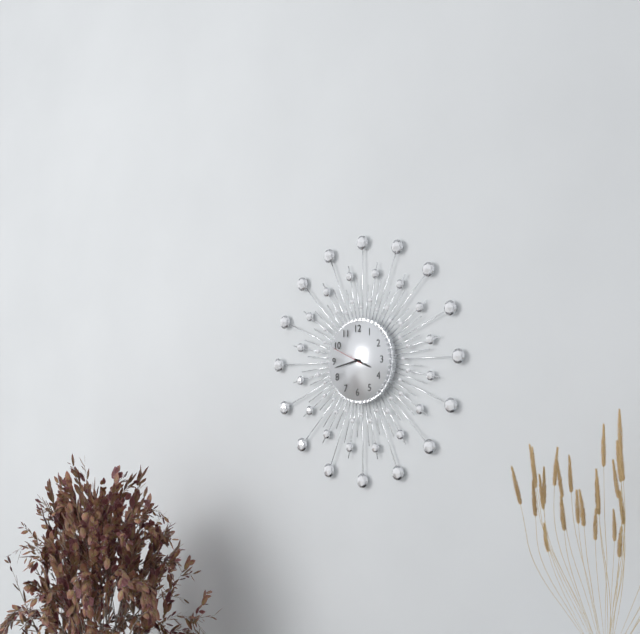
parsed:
3,43
